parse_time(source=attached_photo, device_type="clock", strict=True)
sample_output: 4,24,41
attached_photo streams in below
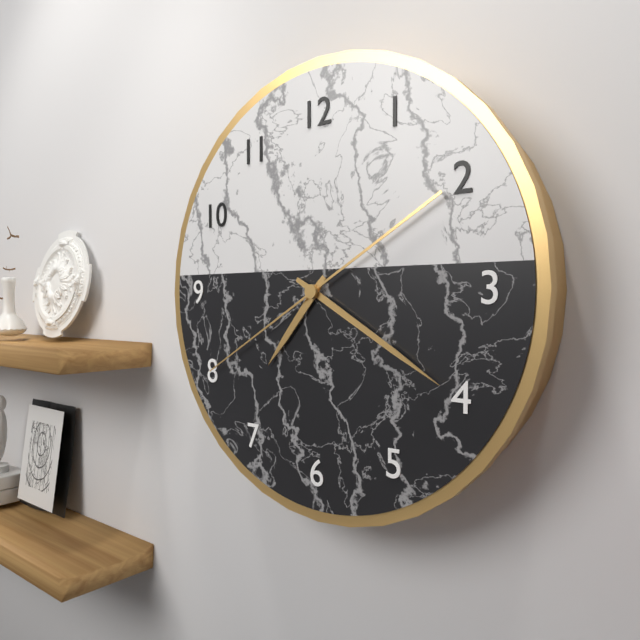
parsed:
7,20,40
